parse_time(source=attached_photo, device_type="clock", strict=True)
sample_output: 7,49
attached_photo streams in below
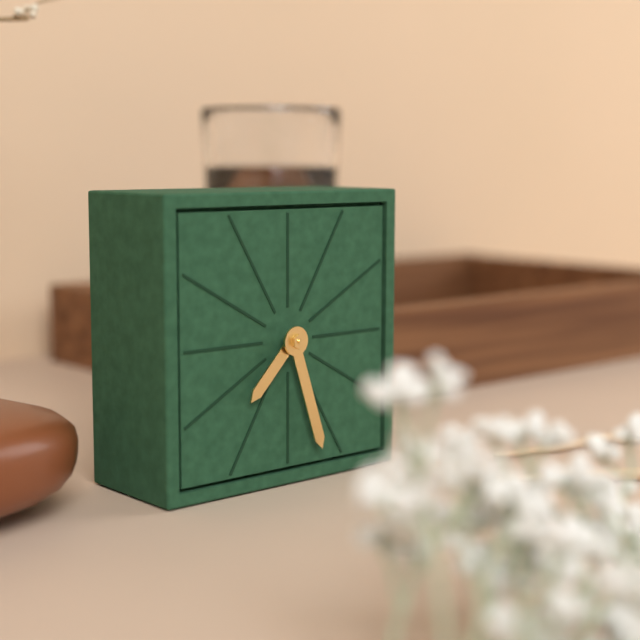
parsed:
7,27
